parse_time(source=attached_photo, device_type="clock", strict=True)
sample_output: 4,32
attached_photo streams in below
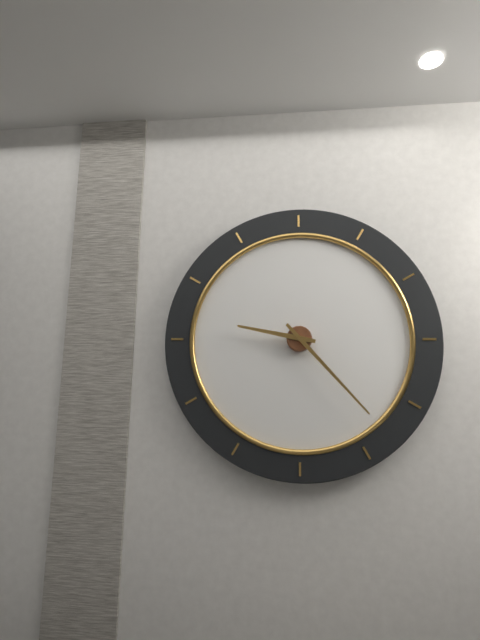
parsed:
9,23
